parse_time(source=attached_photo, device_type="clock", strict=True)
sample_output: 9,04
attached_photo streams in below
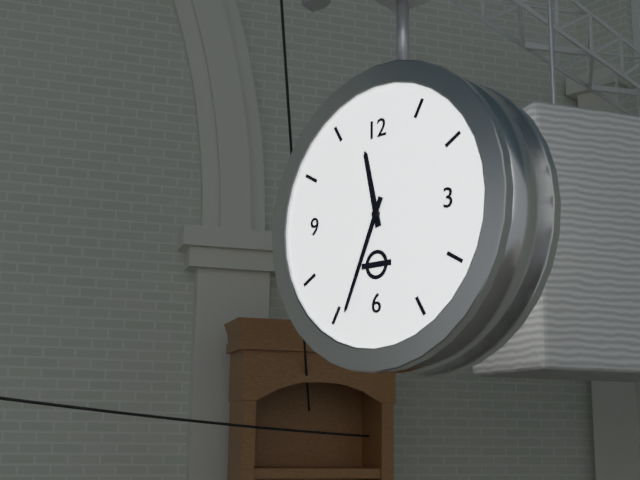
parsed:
11,34
